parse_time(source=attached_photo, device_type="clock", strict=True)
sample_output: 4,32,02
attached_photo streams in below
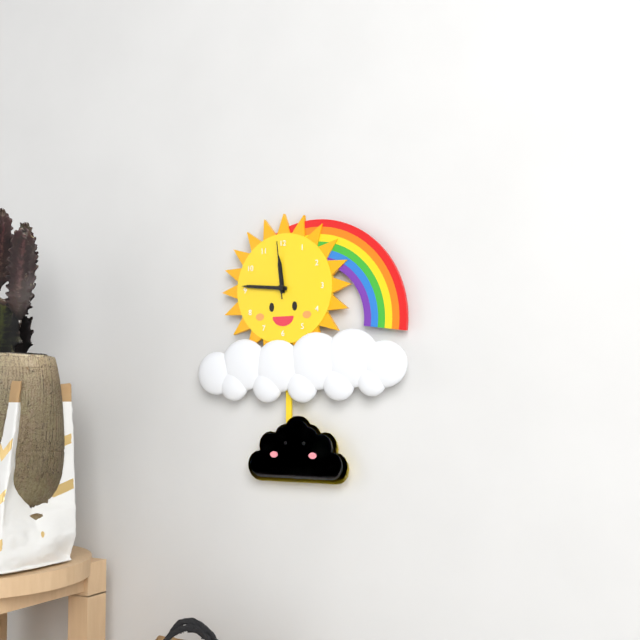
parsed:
11,46,59
